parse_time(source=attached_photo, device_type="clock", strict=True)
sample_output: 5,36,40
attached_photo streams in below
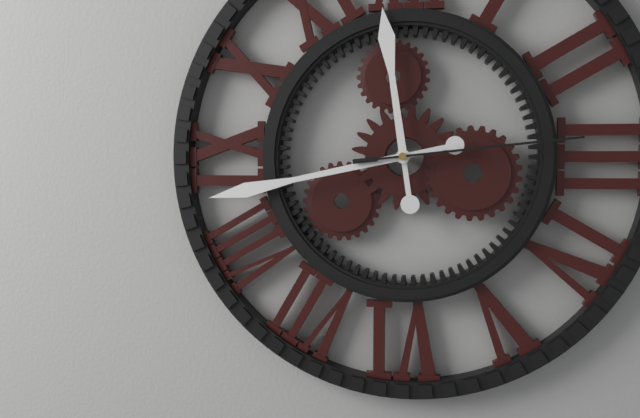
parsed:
11,43,14
